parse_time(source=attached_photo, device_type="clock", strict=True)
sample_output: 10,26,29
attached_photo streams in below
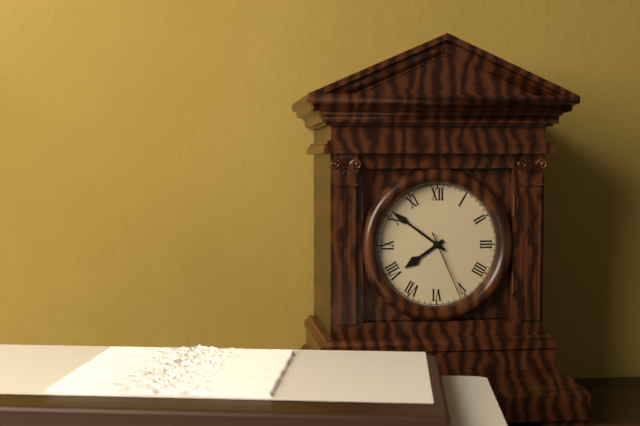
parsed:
7,51,26
